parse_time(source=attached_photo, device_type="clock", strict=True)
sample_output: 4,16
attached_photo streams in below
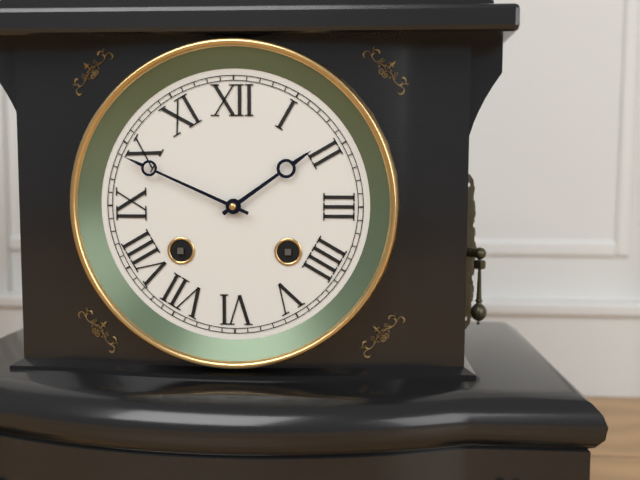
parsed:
1,49
